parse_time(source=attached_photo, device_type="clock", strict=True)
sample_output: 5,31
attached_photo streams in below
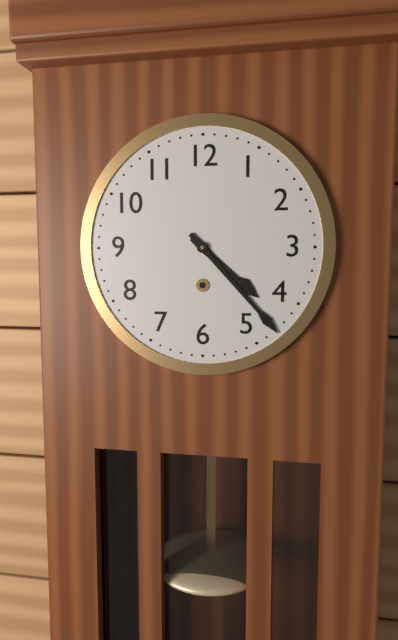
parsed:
4,23
